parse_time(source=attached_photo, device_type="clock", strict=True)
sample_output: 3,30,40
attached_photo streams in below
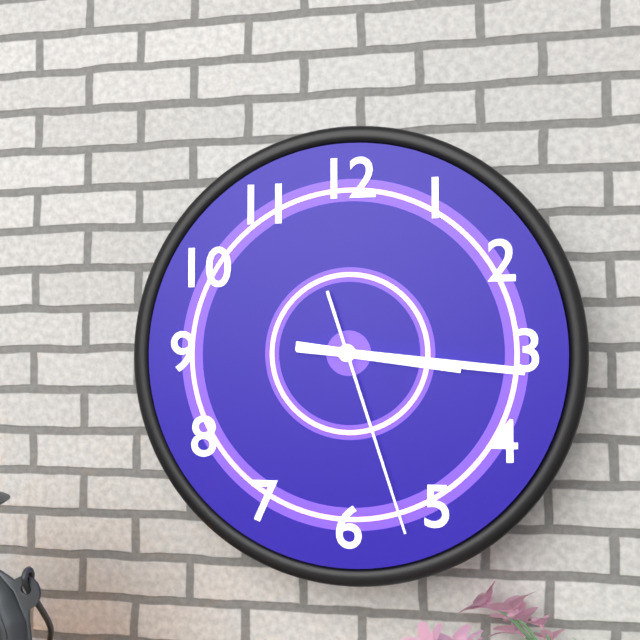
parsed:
3,16,27
